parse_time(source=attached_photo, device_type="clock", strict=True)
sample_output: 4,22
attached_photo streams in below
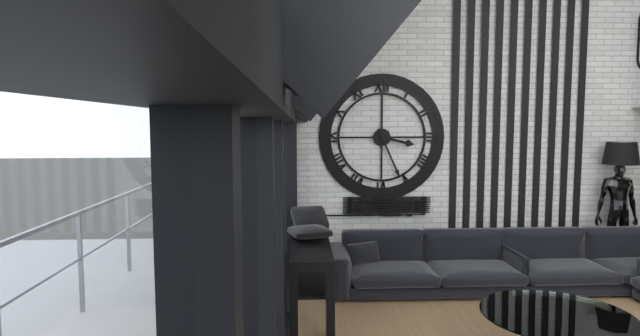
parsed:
3,26
